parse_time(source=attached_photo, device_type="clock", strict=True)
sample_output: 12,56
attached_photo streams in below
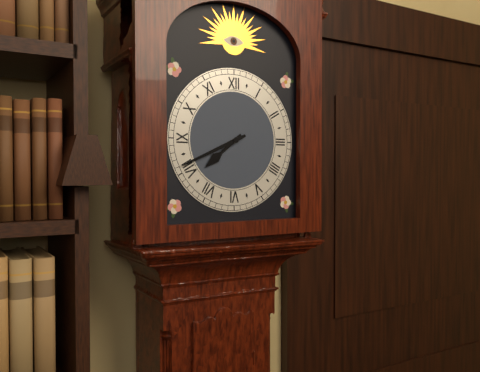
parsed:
7,41
